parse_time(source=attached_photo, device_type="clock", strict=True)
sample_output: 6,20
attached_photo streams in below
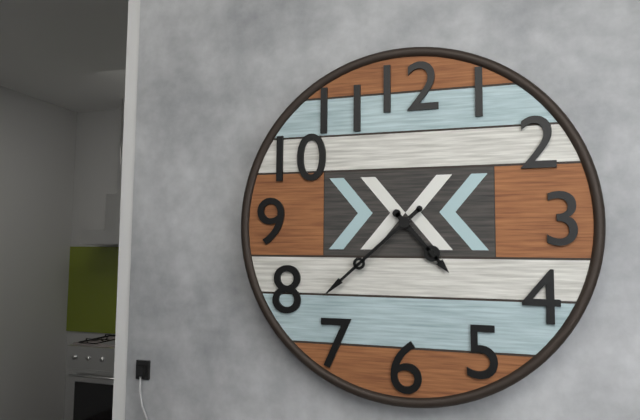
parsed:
4,38
